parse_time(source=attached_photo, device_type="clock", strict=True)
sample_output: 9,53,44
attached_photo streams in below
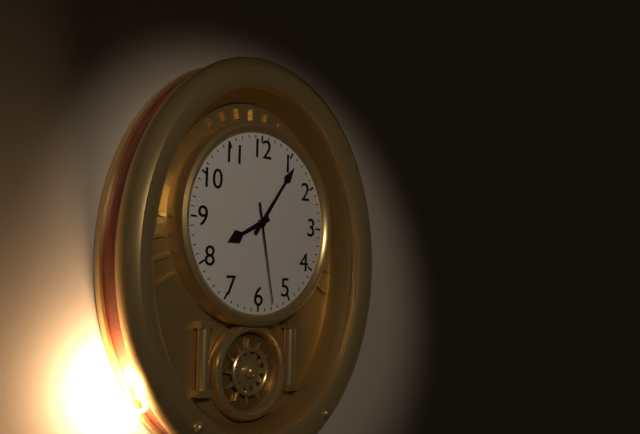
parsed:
8,06,28
